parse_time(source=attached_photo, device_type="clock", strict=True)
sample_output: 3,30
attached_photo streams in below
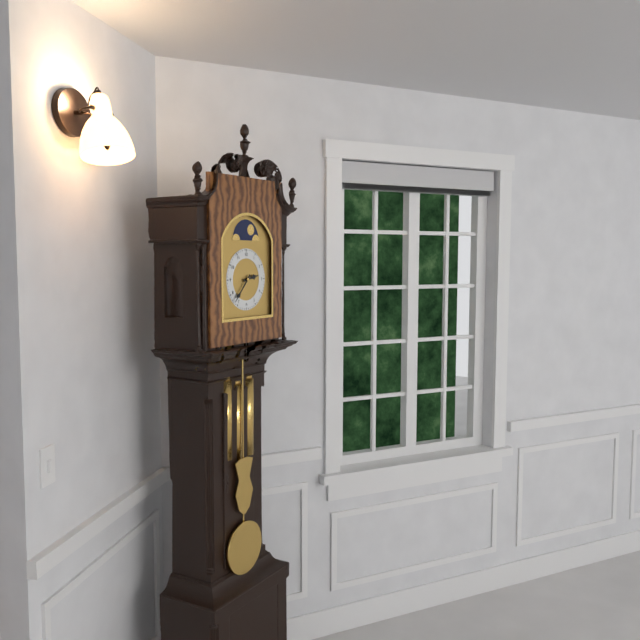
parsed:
2,37
